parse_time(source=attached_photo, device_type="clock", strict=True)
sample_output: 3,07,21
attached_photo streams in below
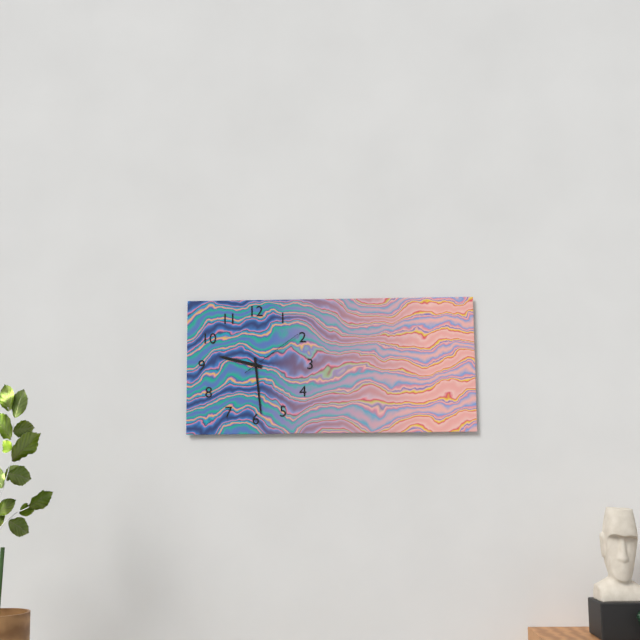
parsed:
9,29,09
